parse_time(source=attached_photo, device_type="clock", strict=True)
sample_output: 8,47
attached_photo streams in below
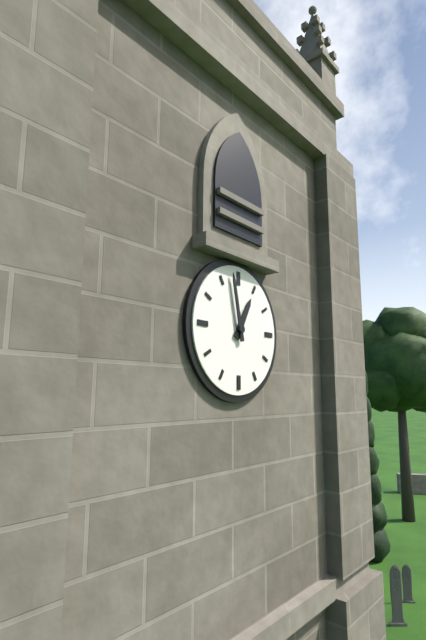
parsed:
12,58
